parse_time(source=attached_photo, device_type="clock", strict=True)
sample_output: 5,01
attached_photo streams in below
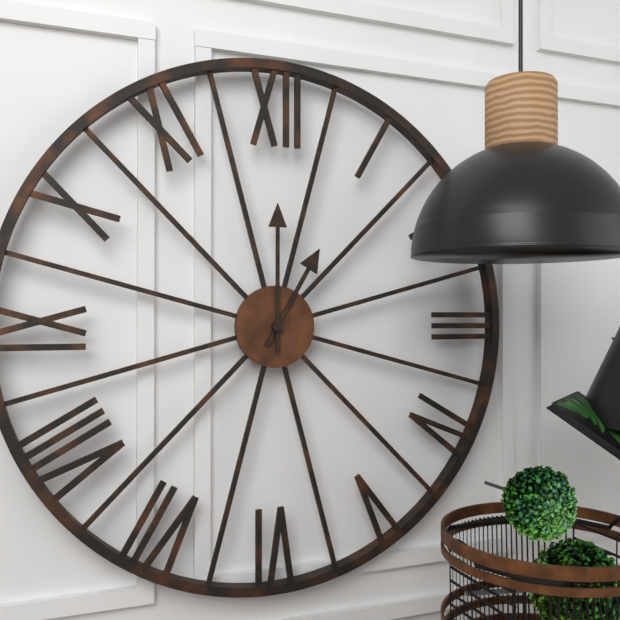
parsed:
1,00
